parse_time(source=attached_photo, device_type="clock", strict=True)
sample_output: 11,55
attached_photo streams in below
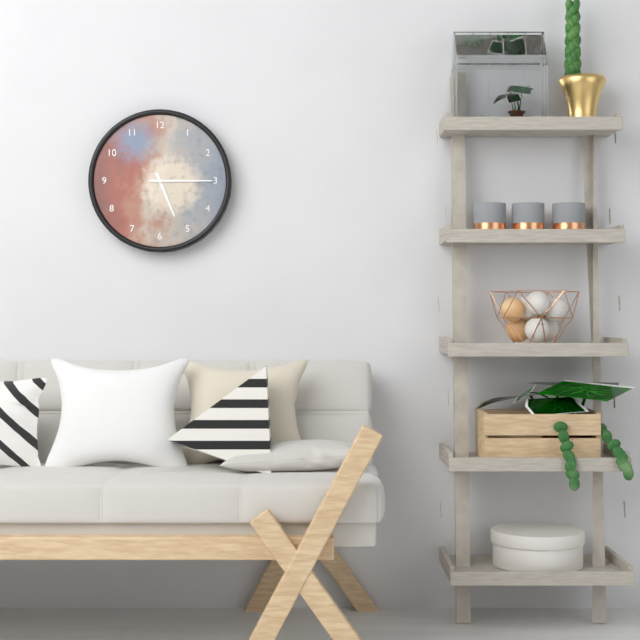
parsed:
5,15
